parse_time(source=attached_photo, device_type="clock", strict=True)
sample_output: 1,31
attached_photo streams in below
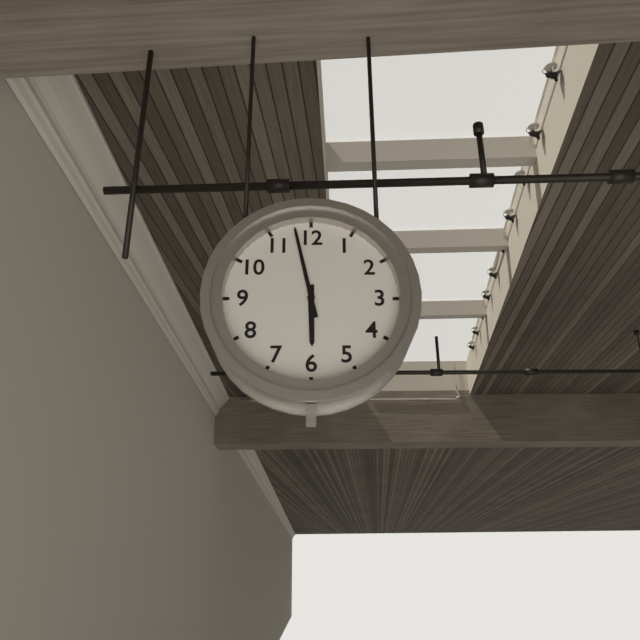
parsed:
5,58
